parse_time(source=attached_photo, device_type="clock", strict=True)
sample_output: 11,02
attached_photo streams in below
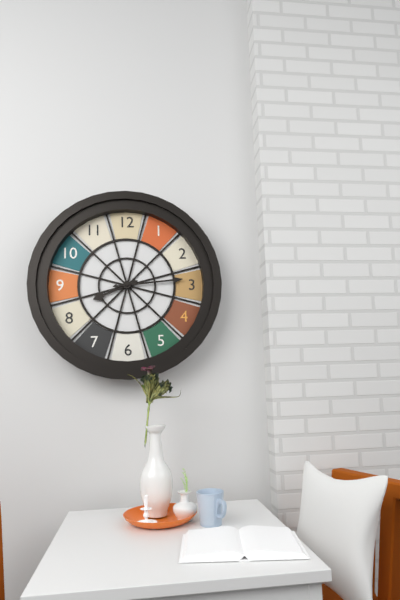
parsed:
8,14
